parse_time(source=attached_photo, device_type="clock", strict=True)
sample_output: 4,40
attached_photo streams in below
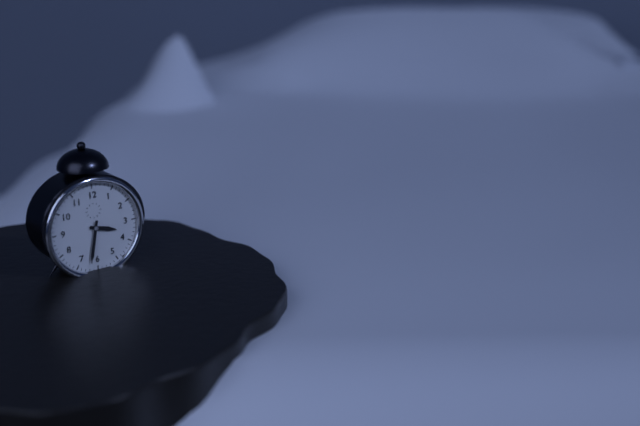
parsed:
3,32
